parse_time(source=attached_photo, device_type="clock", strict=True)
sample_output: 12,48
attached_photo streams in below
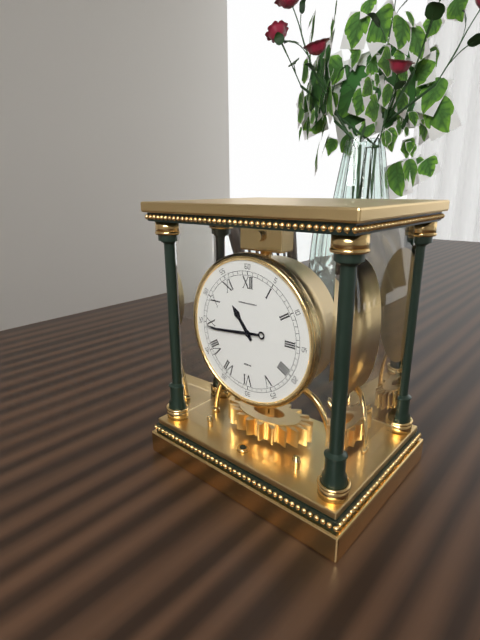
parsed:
10,44
